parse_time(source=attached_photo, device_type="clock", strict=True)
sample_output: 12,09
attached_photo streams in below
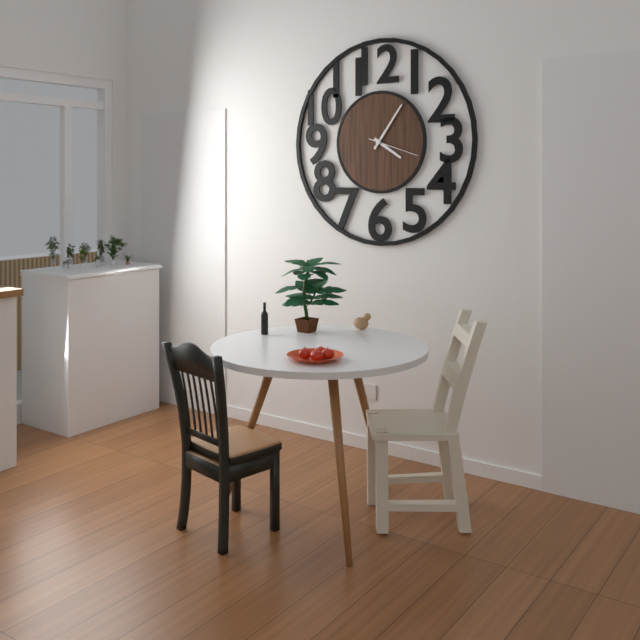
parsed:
4,06
